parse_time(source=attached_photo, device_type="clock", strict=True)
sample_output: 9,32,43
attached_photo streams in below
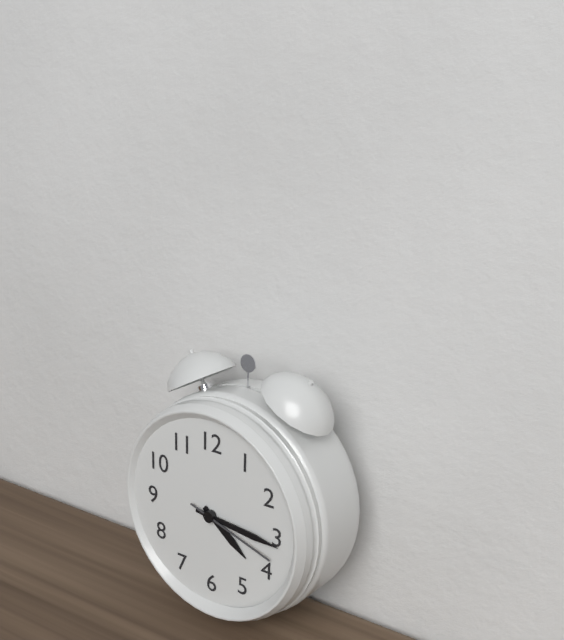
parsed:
4,16,18
